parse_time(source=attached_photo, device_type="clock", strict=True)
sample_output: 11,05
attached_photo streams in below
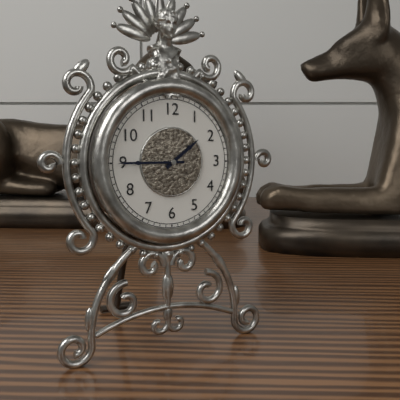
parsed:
1,45
